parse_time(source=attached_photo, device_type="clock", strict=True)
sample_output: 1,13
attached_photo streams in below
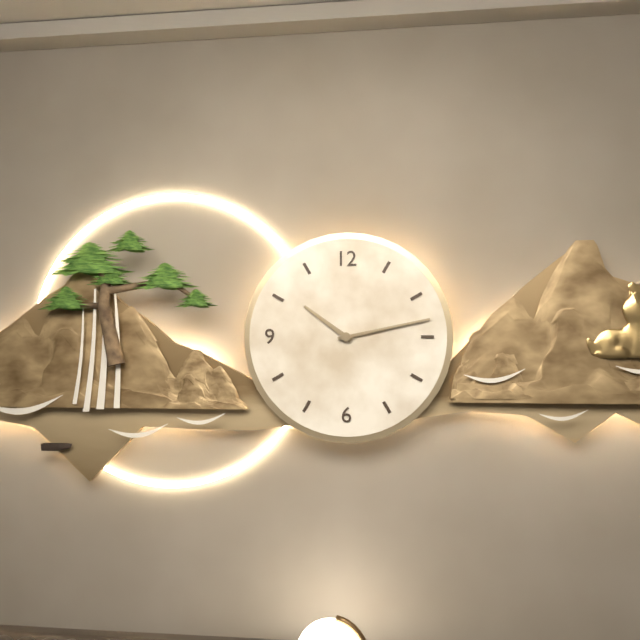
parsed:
10,13
